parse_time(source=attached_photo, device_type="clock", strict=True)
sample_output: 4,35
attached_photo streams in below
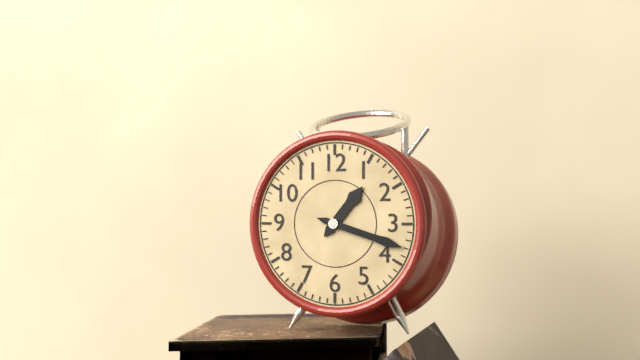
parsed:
1,18
